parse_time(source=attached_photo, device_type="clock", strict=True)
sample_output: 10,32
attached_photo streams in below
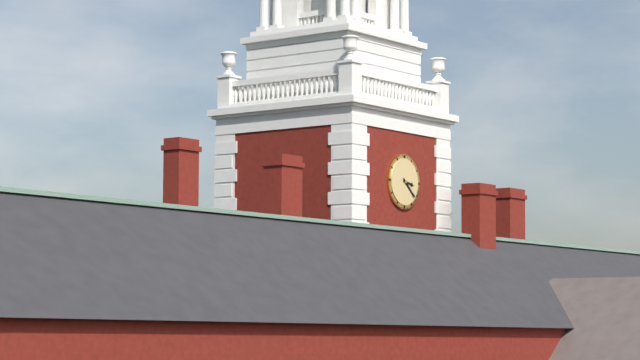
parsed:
3,22
